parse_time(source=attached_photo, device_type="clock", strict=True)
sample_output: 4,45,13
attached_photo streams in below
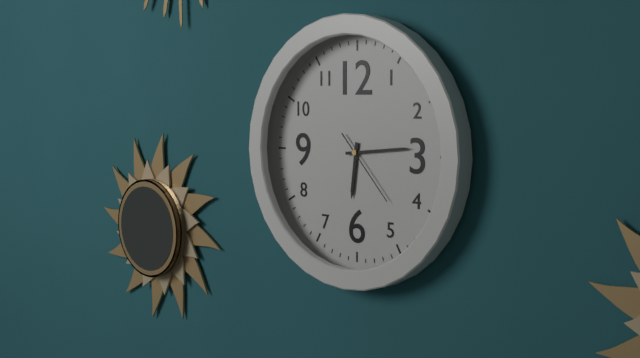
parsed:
6,14,23
